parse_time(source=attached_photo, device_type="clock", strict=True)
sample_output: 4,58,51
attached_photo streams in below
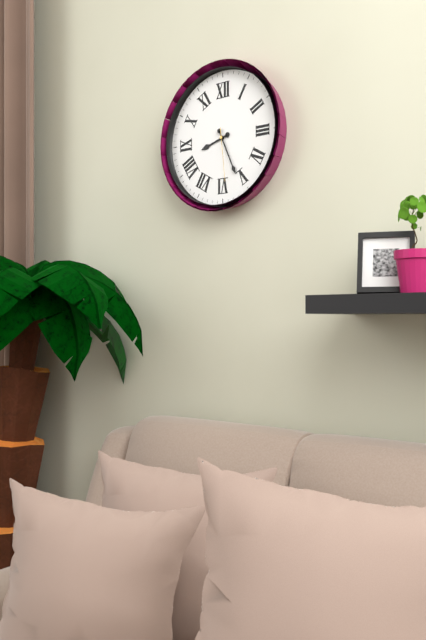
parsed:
8,26,29
